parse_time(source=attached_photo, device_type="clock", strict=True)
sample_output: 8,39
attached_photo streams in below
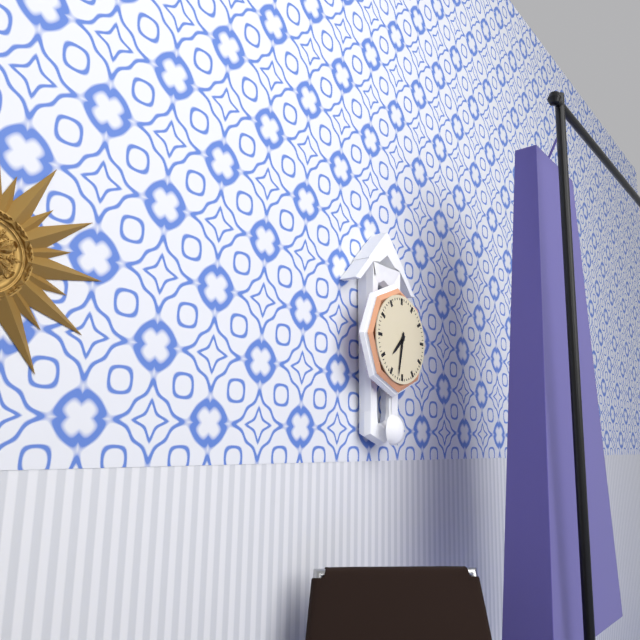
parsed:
7,32
